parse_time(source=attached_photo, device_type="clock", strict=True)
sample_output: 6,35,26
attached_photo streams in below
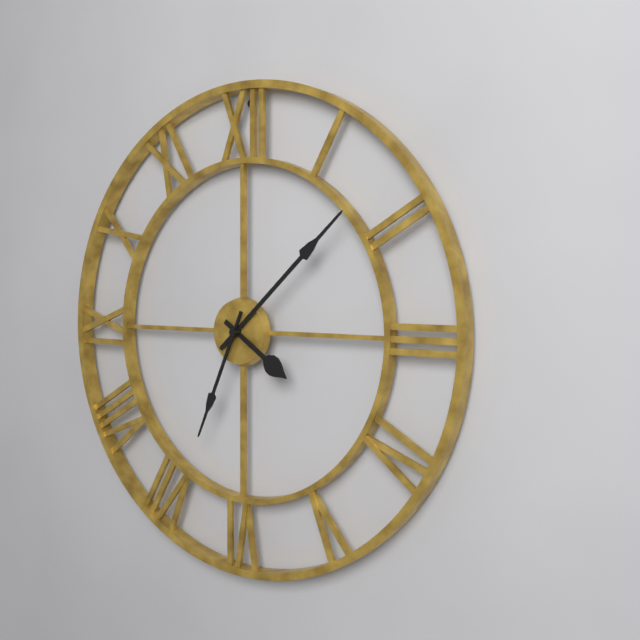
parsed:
4,08,34
